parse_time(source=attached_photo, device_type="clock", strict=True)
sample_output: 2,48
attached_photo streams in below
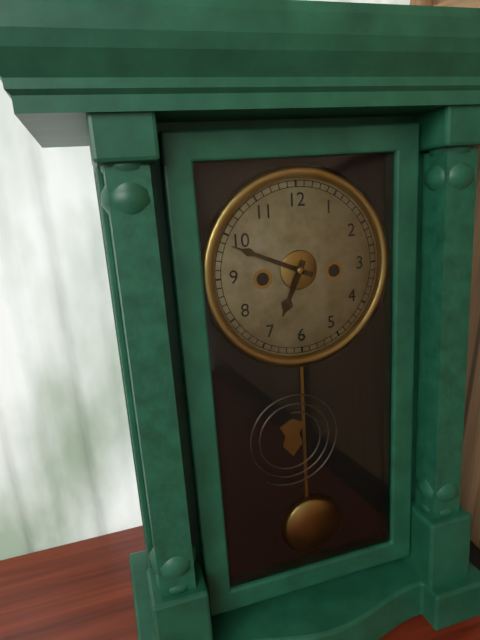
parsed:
6,49
